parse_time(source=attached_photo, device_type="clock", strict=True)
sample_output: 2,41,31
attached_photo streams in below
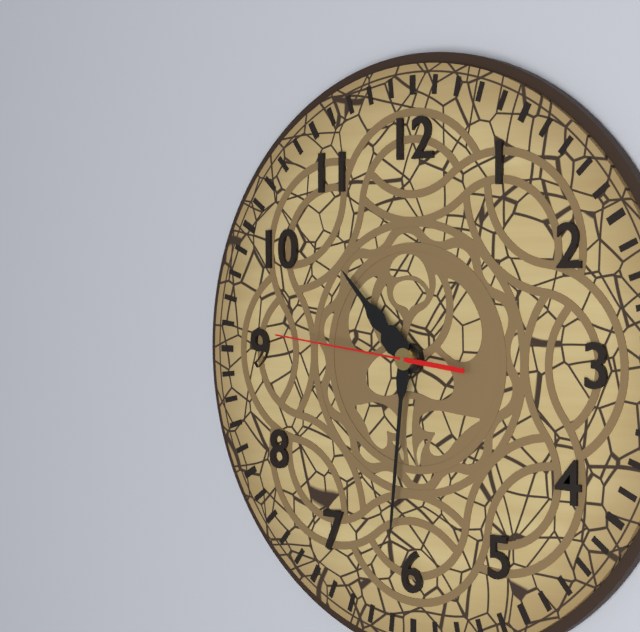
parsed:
10,31,46
